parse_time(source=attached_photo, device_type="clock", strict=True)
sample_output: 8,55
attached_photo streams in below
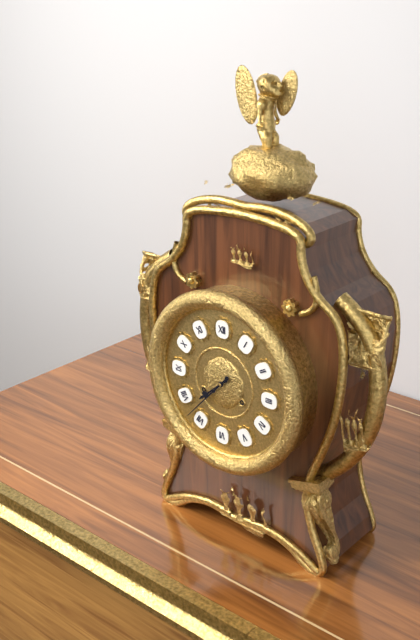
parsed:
7,37
